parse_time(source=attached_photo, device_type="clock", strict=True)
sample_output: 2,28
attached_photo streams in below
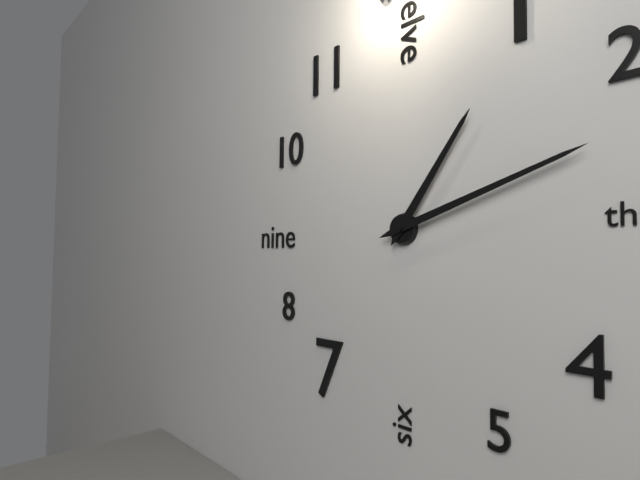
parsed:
1,12
